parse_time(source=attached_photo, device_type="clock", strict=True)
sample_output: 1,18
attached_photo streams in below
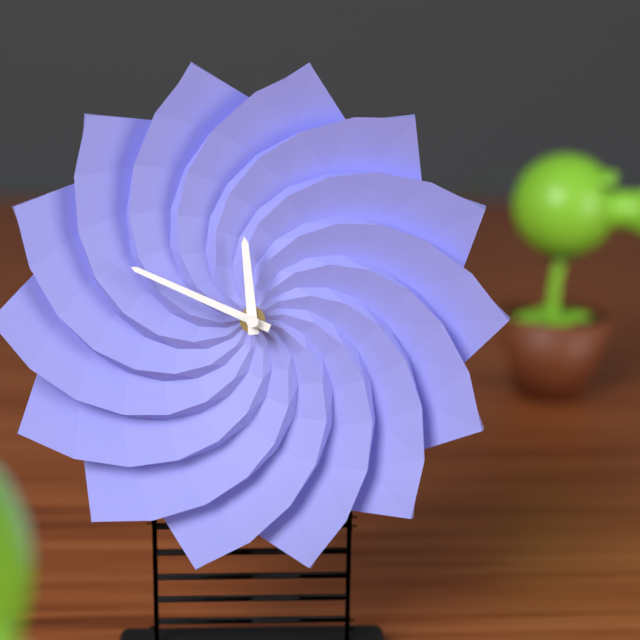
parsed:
11,49
